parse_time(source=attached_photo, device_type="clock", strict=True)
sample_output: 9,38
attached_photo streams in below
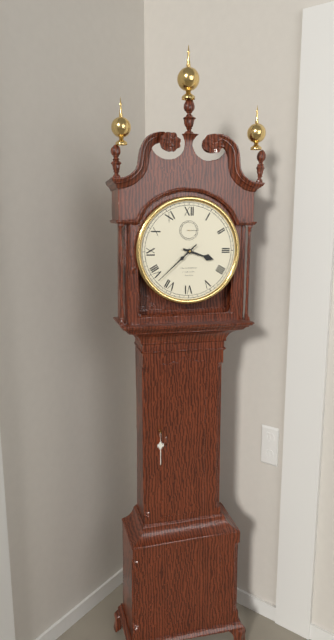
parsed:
3,38
